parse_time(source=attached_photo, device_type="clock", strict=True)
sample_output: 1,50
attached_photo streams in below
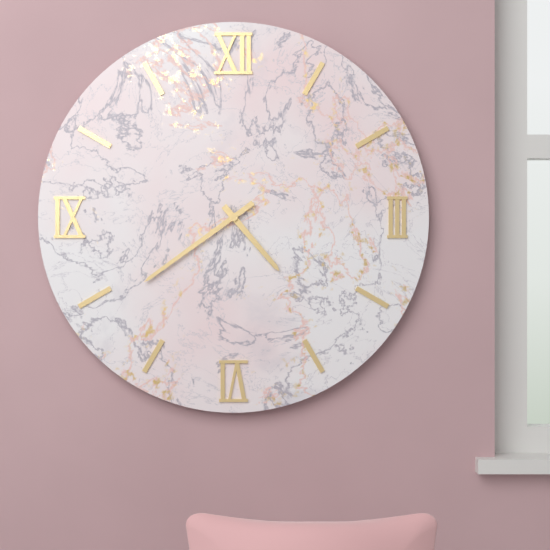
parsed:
4,39
